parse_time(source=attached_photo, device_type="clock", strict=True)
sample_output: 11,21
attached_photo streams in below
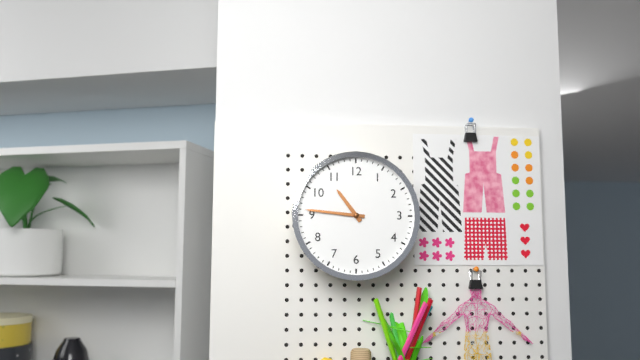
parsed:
10,46
